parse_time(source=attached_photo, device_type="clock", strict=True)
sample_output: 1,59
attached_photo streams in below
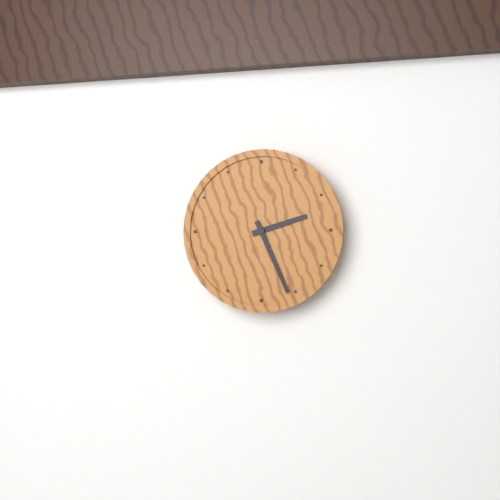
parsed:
2,26
